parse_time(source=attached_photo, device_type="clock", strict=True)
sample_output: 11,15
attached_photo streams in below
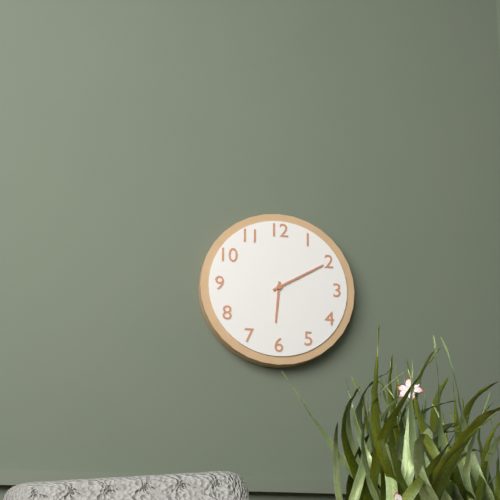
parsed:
6,10
